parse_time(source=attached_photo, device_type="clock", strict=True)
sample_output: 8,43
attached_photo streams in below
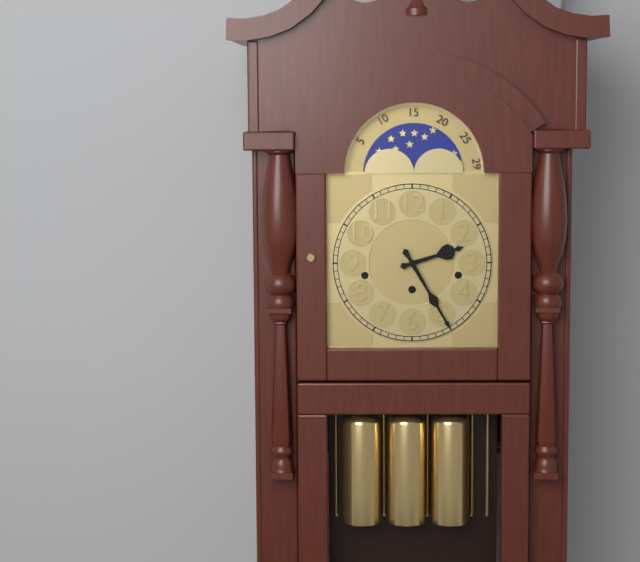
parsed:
2,25
